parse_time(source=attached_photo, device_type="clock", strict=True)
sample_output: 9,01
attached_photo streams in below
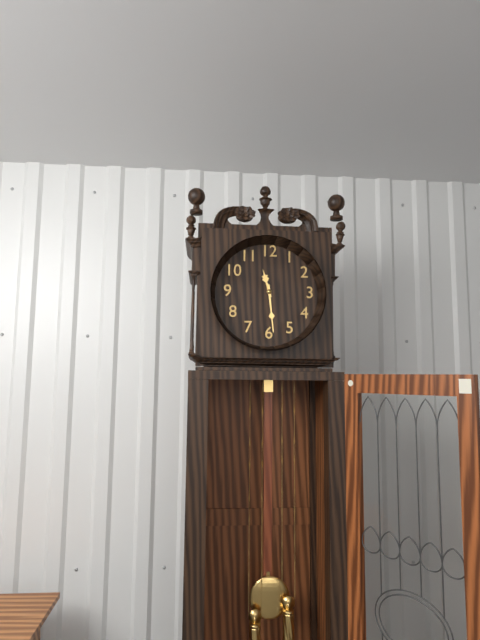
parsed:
11,29
